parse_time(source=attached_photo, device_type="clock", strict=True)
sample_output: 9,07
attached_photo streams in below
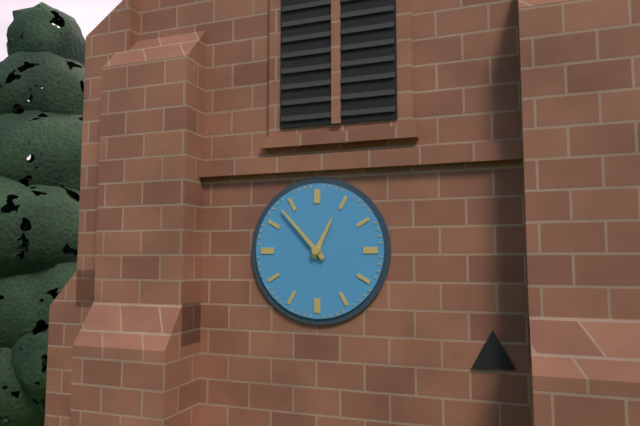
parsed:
12,53
